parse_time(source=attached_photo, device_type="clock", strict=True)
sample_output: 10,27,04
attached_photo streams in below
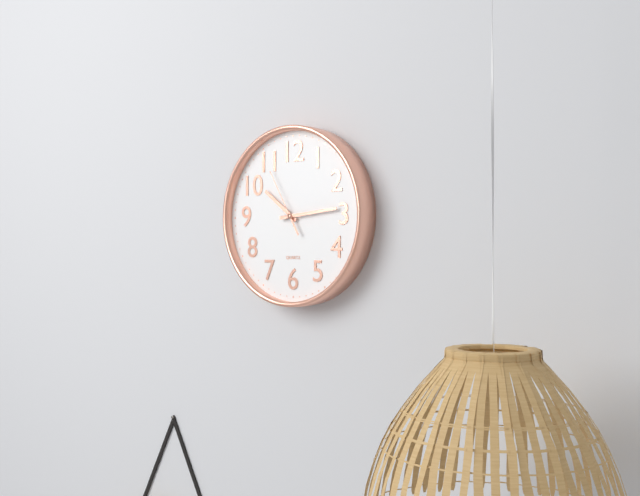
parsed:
10,14,55
